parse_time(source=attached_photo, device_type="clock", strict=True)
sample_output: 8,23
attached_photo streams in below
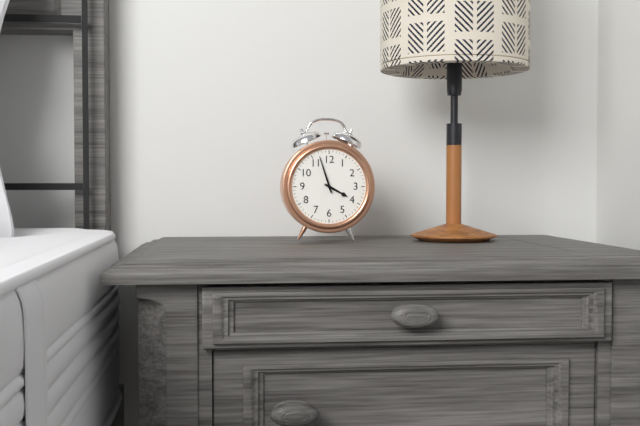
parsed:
3,57
